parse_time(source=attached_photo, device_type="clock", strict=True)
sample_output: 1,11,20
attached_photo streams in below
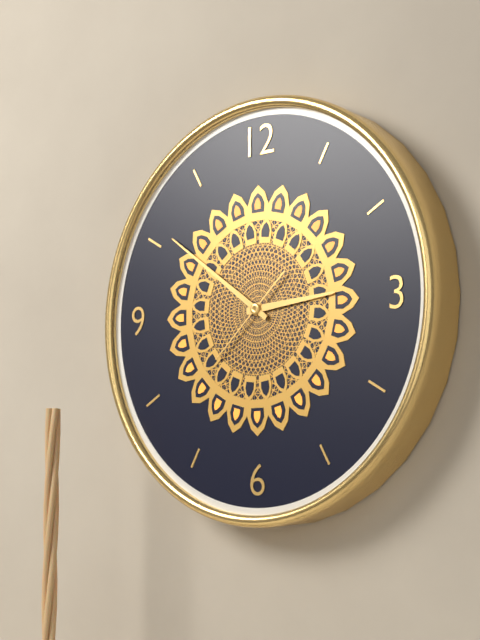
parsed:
2,51,38
